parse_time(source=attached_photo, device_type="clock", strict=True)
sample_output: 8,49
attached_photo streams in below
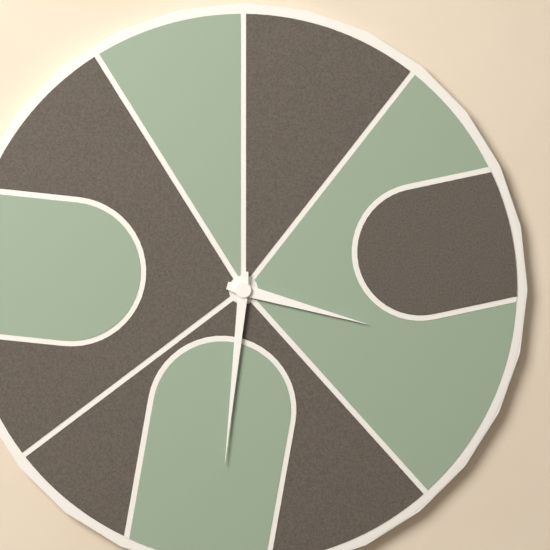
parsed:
3,31
